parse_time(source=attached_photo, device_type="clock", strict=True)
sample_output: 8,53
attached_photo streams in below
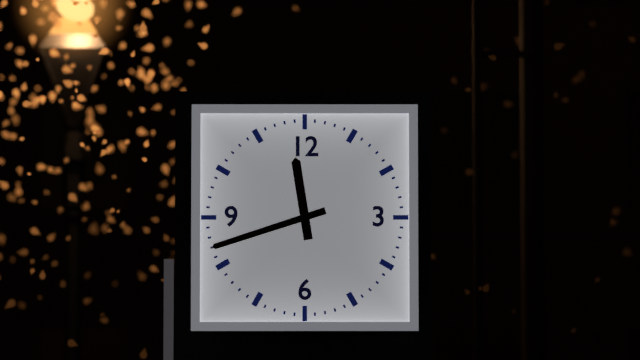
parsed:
11,42
